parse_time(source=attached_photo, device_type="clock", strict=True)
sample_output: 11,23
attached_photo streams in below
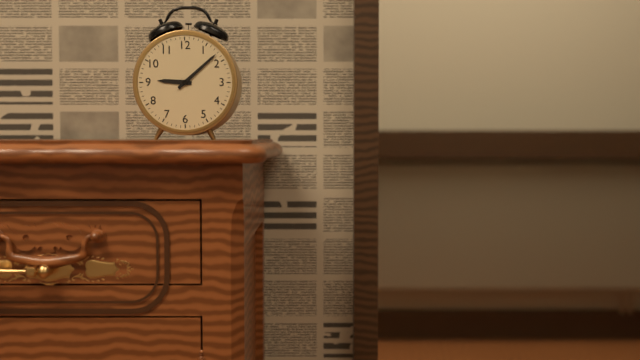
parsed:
9,08
